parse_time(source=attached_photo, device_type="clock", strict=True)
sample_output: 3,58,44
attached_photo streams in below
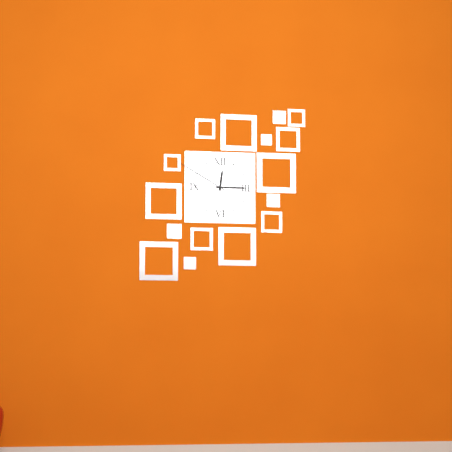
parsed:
12,15,50
